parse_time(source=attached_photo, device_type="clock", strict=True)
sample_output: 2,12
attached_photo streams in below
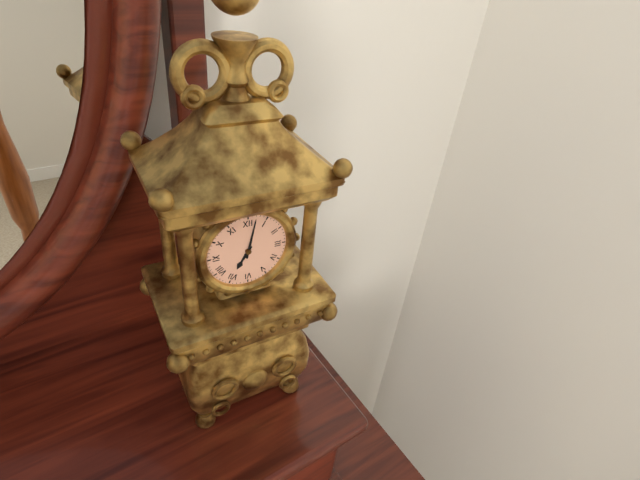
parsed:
7,02
